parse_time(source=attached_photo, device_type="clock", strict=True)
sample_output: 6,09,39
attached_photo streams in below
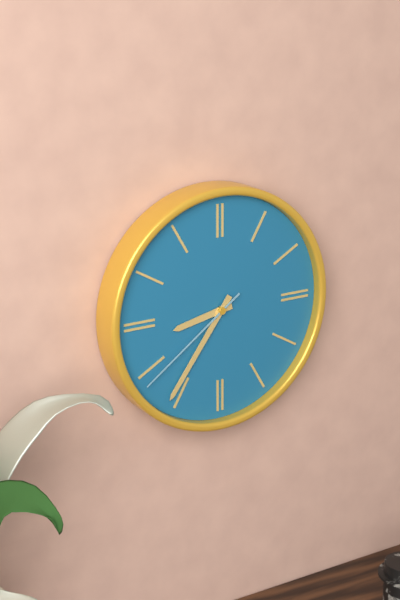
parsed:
8,36,39
